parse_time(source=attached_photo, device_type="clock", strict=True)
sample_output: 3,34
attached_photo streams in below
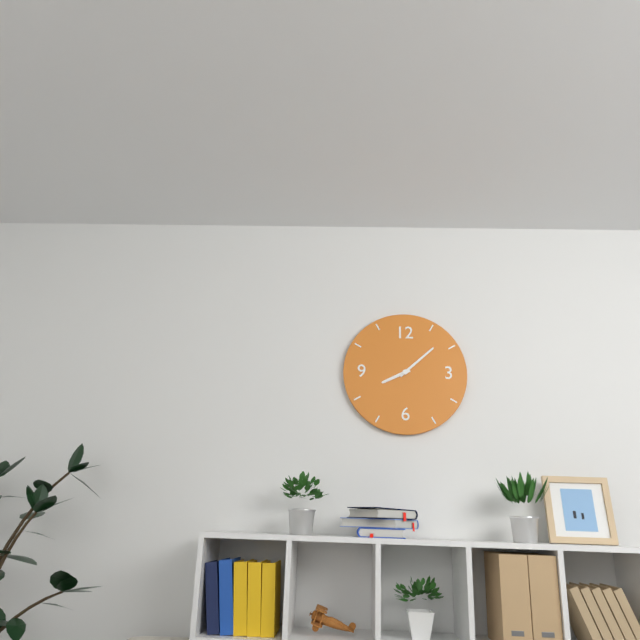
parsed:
8,08
